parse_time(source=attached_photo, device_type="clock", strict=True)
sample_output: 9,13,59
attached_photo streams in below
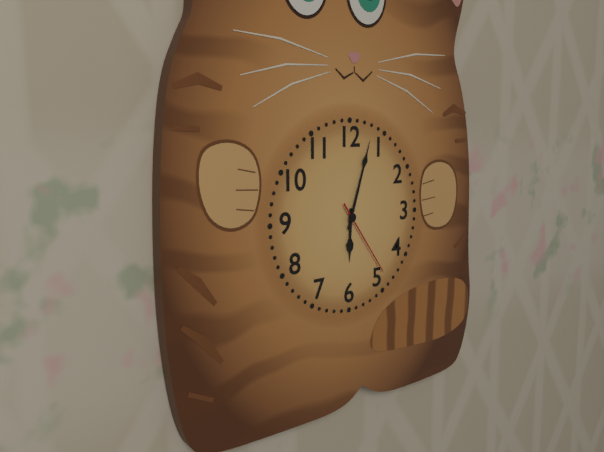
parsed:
6,03,24
